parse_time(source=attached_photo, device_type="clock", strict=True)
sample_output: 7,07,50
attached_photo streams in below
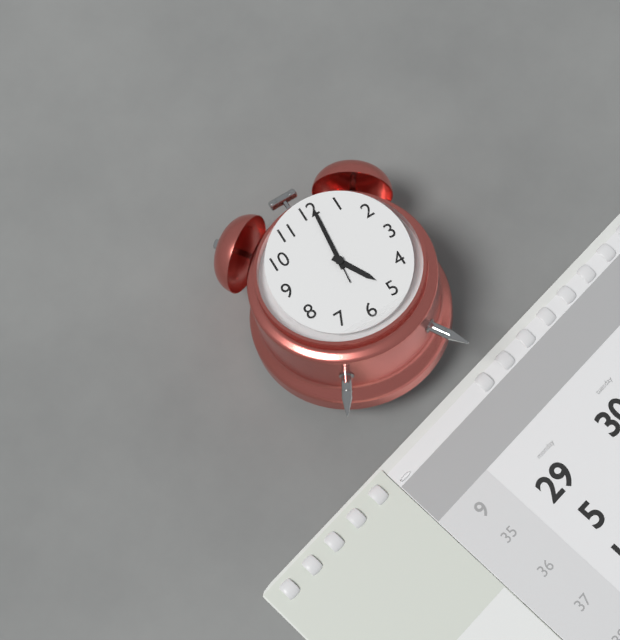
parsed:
5,01,01
